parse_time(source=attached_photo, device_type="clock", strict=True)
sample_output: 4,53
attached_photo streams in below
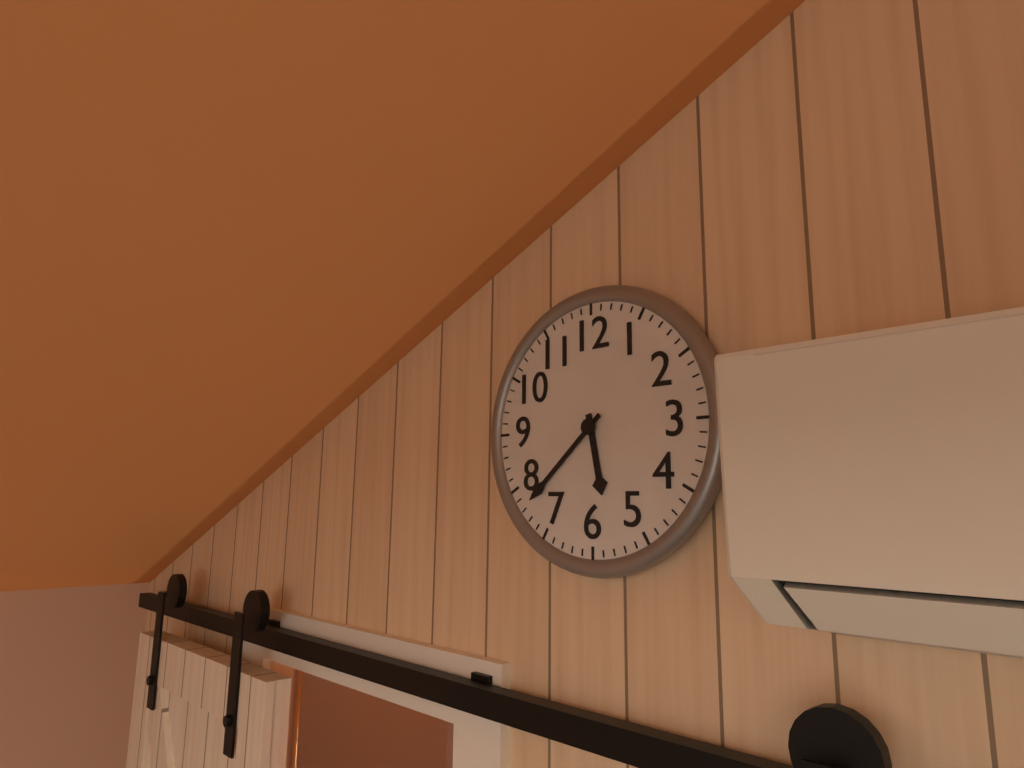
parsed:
5,38
